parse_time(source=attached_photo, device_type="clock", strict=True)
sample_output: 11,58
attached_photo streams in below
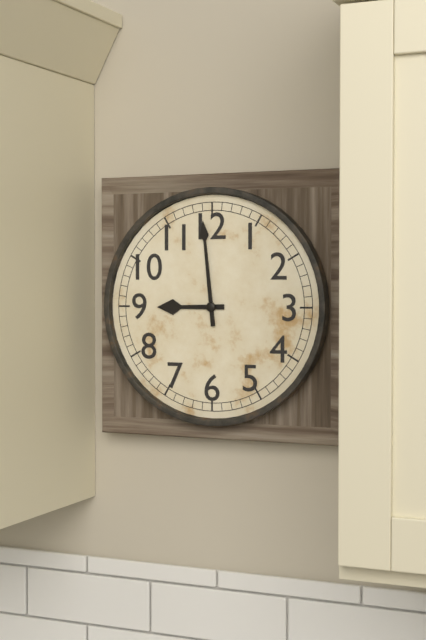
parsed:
8,59
